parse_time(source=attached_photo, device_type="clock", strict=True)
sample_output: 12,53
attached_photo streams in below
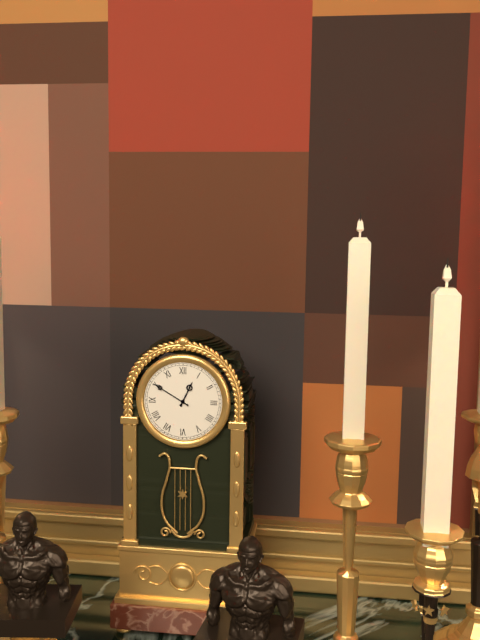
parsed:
12,50
